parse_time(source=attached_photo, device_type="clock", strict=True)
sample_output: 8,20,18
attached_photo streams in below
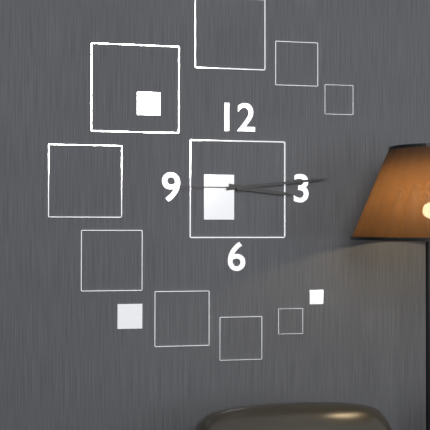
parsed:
3,14,45
